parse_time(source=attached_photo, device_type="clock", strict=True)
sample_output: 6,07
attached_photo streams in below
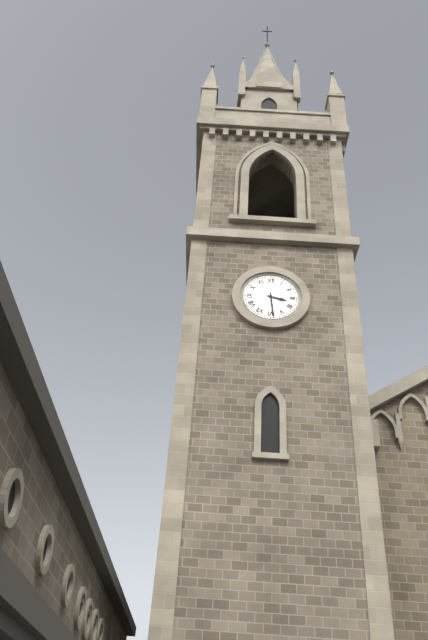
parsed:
3,29
